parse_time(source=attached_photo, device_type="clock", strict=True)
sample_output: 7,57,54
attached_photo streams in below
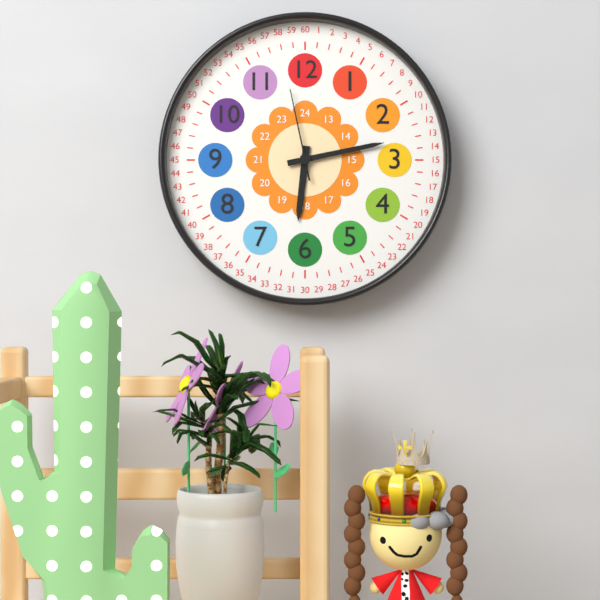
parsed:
6,13,58
